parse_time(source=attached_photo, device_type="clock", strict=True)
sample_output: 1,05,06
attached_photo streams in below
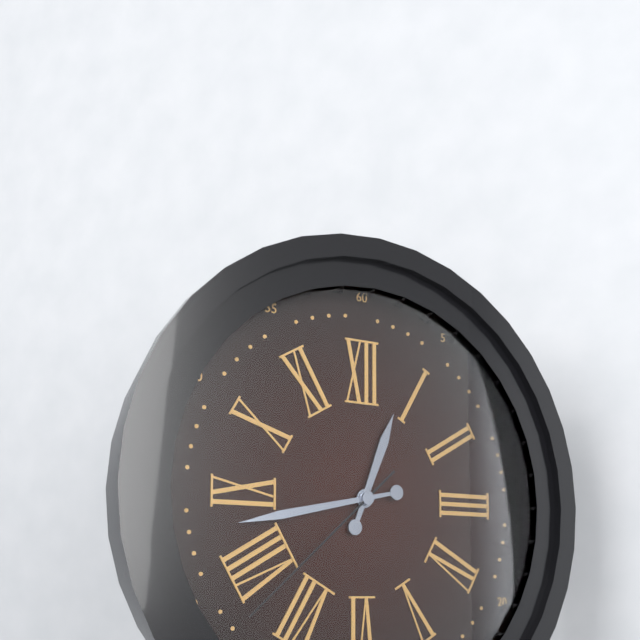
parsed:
12,43,38
